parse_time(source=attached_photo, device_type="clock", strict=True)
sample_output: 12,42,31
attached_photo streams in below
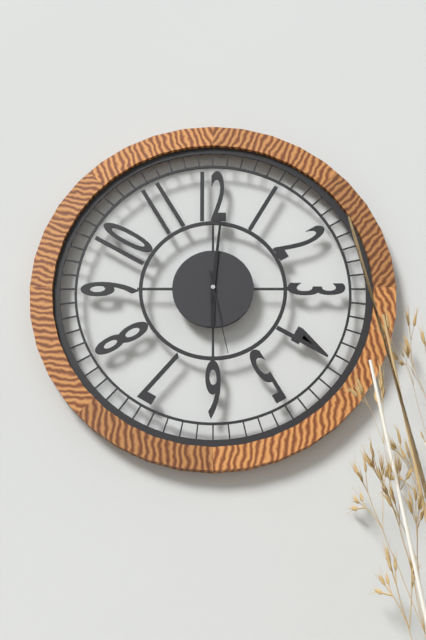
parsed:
6,01,28
